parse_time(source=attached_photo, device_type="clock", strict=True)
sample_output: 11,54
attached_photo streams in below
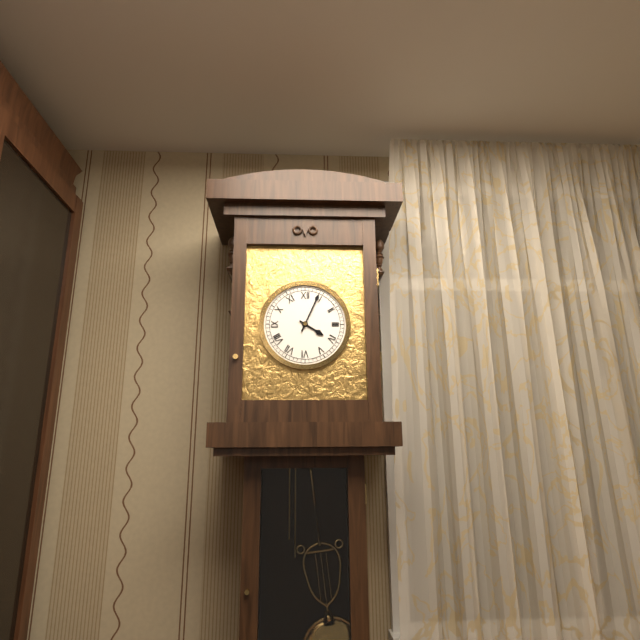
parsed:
4,04
